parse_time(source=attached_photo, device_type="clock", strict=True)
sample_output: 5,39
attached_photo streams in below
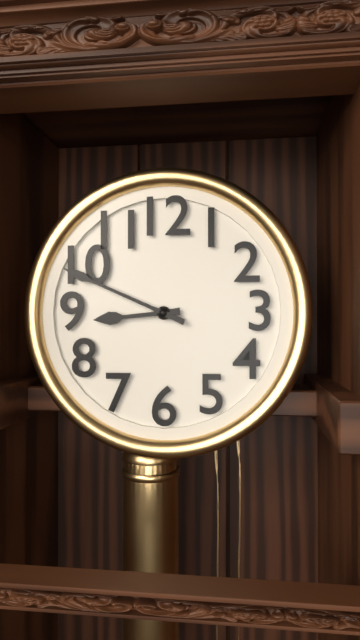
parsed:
8,49
